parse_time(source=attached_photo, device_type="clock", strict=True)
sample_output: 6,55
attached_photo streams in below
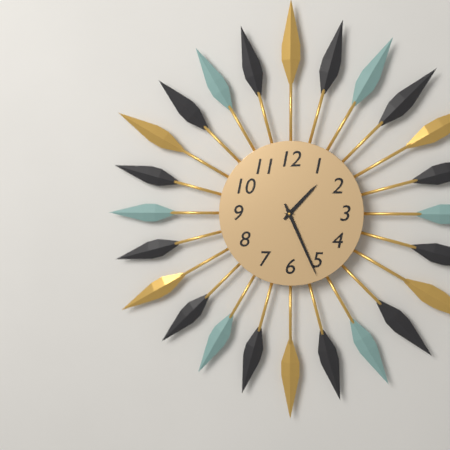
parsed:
1,26
